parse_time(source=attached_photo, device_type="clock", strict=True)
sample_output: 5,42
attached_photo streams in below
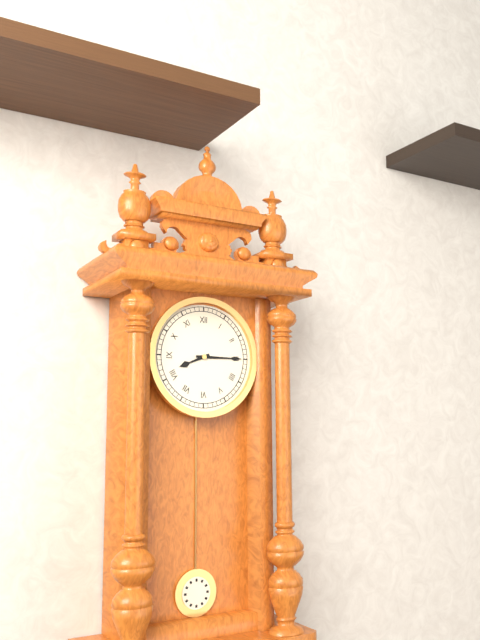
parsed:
8,15
